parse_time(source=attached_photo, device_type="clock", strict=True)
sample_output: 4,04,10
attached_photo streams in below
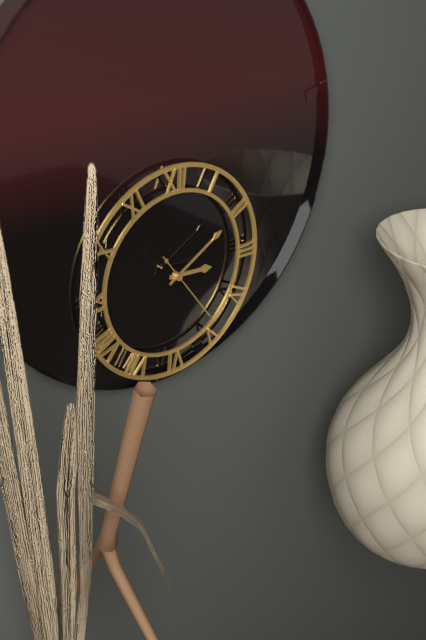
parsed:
3,10,24
